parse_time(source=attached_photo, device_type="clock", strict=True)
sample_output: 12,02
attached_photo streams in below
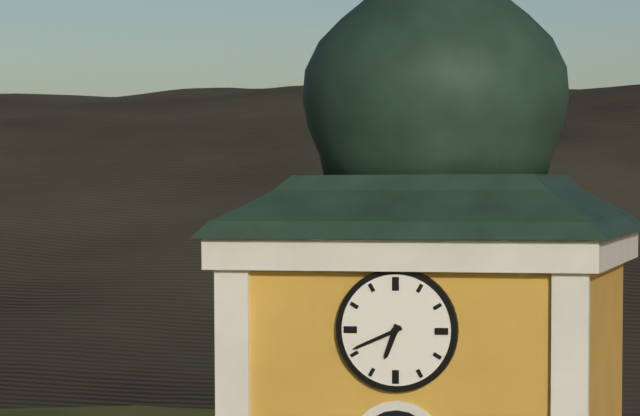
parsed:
6,41
